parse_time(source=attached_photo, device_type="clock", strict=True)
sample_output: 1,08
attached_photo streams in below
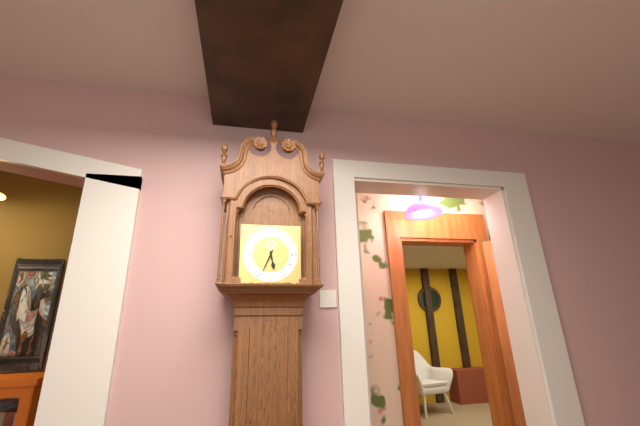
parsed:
5,34
